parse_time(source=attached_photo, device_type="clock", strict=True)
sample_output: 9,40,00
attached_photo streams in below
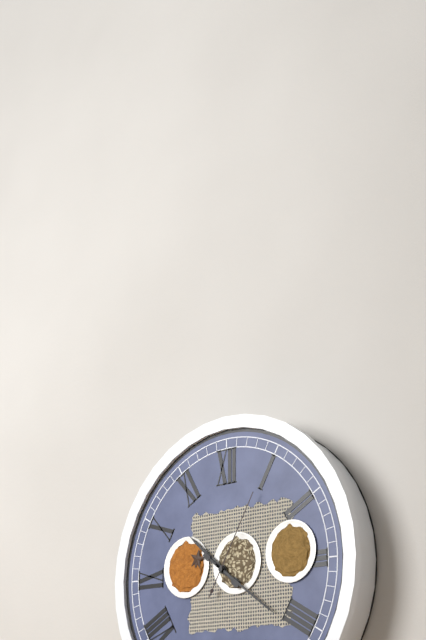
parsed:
10,21,05
